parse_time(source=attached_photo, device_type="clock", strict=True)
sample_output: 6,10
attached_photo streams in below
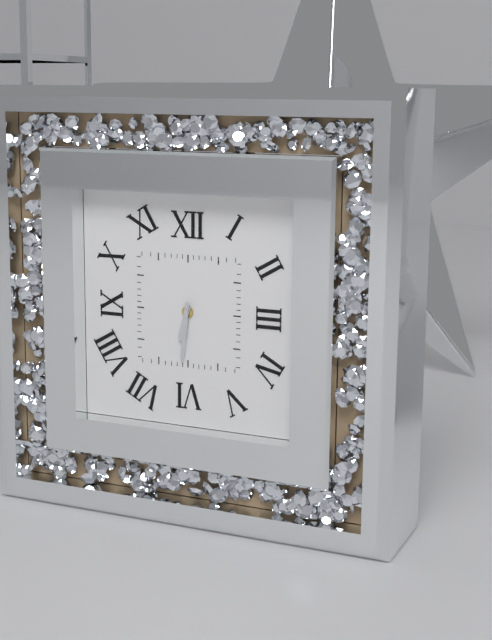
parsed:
6,31
